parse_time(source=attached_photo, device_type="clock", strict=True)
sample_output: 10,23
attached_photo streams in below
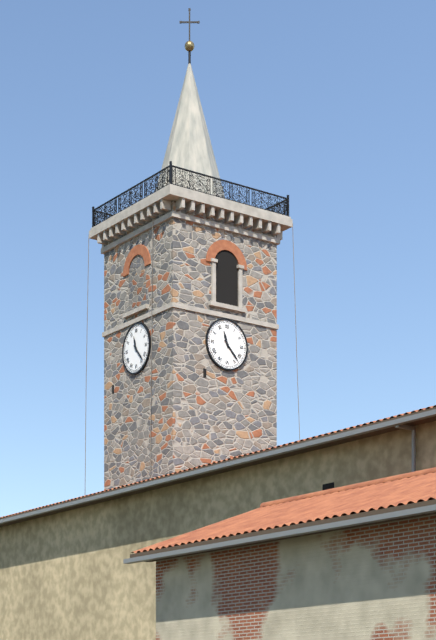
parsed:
11,23
